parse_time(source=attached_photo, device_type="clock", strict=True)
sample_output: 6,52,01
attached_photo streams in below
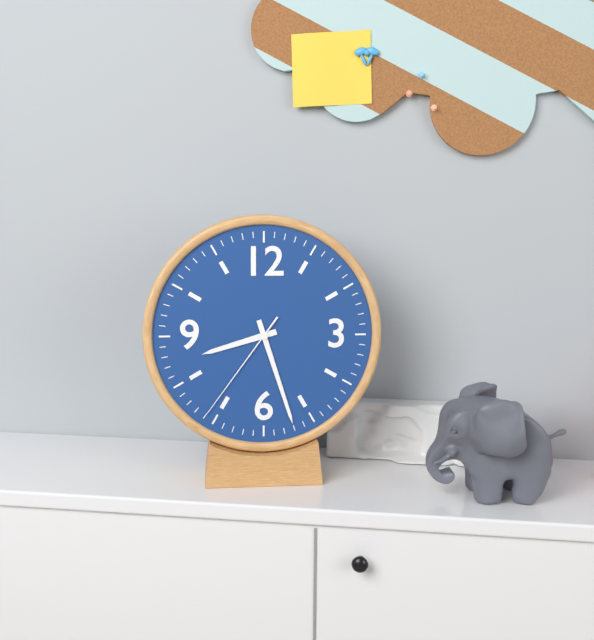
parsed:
8,27,36
